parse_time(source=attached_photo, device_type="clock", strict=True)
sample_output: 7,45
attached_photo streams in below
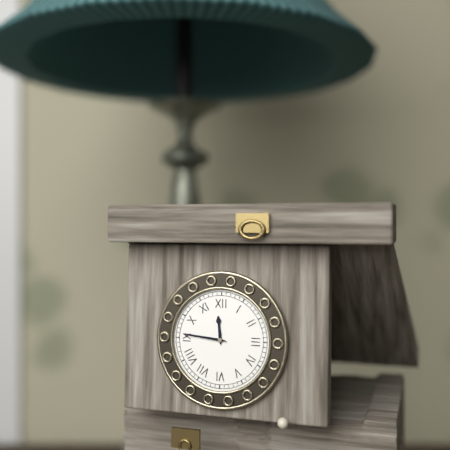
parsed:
11,46
